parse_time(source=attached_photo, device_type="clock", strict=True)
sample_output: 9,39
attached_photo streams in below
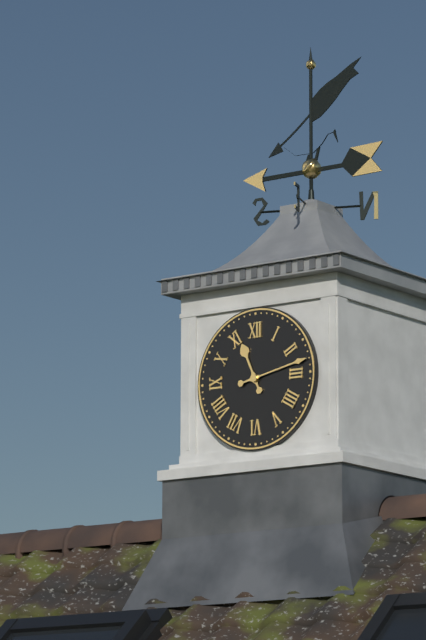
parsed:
11,13
